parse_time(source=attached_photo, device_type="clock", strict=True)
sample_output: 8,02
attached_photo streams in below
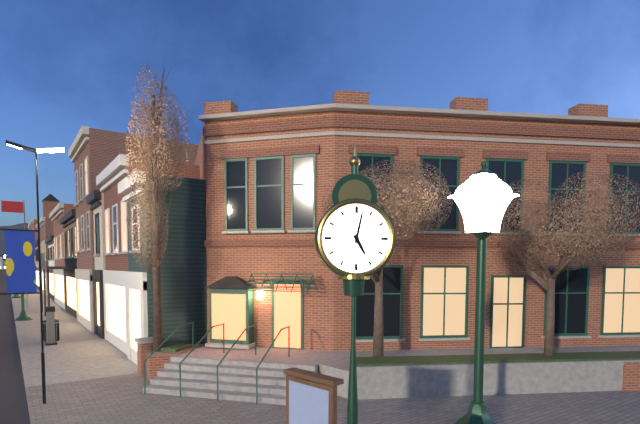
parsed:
5,02
